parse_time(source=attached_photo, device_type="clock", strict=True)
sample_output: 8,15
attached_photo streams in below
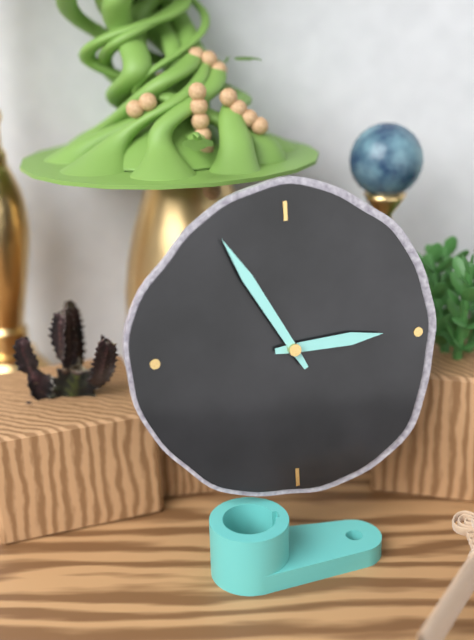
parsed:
2,55
